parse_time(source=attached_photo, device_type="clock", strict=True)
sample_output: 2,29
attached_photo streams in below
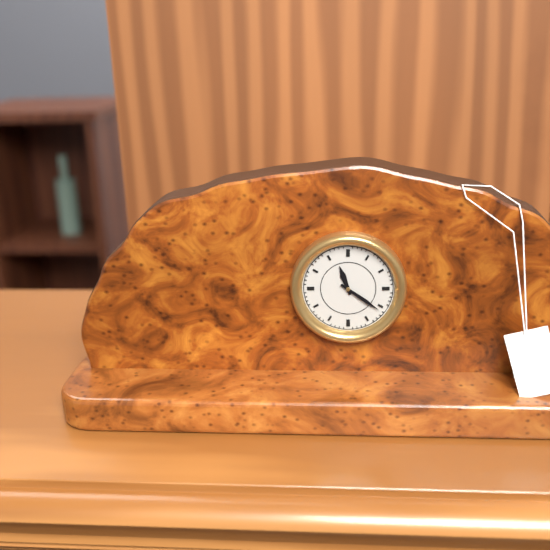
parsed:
11,21
